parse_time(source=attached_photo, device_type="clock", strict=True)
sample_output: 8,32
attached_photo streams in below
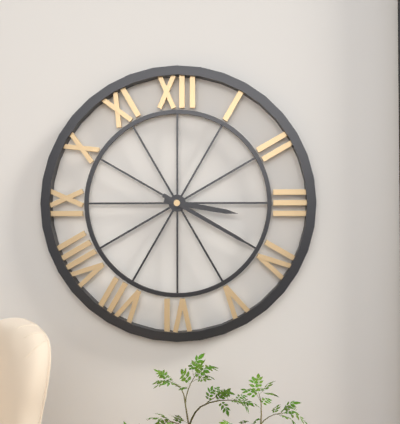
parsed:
3,20
